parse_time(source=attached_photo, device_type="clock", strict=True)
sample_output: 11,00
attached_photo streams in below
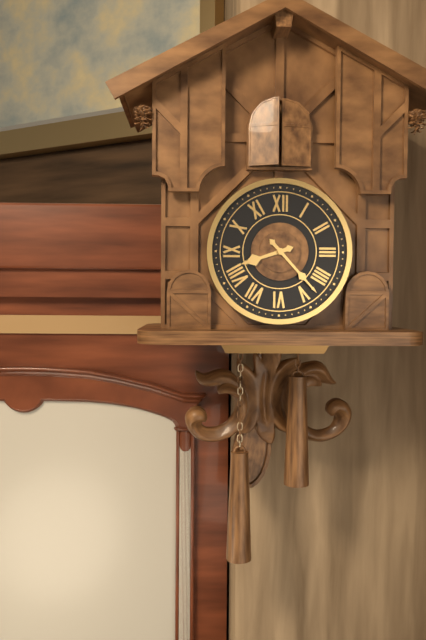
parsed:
8,23
